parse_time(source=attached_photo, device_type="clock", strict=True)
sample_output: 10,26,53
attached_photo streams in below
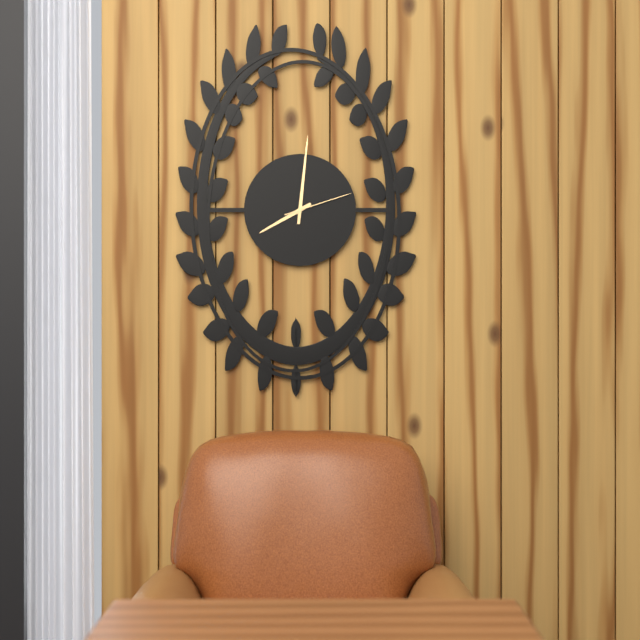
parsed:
8,01,12
